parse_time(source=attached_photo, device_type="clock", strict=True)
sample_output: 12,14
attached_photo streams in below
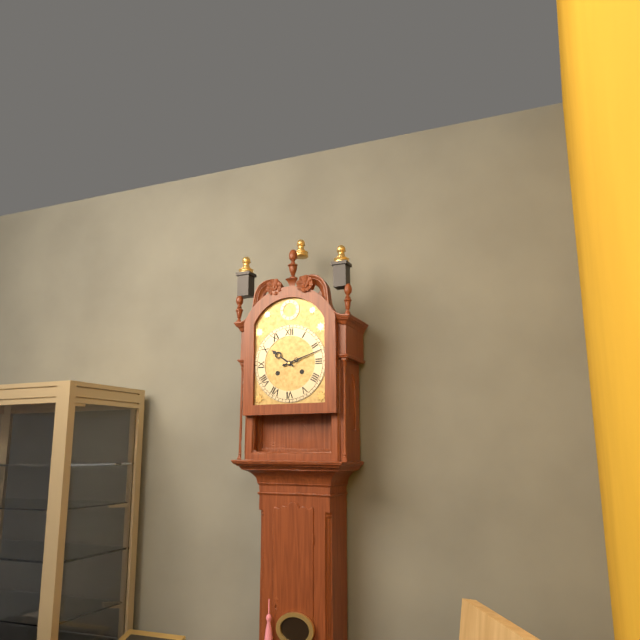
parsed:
10,12
